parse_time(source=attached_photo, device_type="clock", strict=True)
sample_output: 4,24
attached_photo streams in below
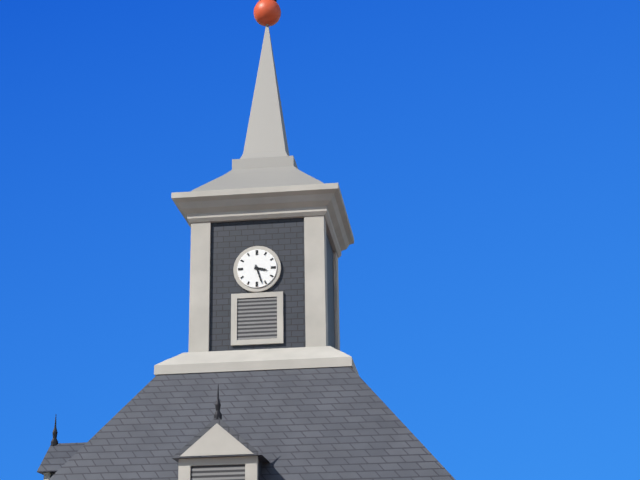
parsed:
3,27
